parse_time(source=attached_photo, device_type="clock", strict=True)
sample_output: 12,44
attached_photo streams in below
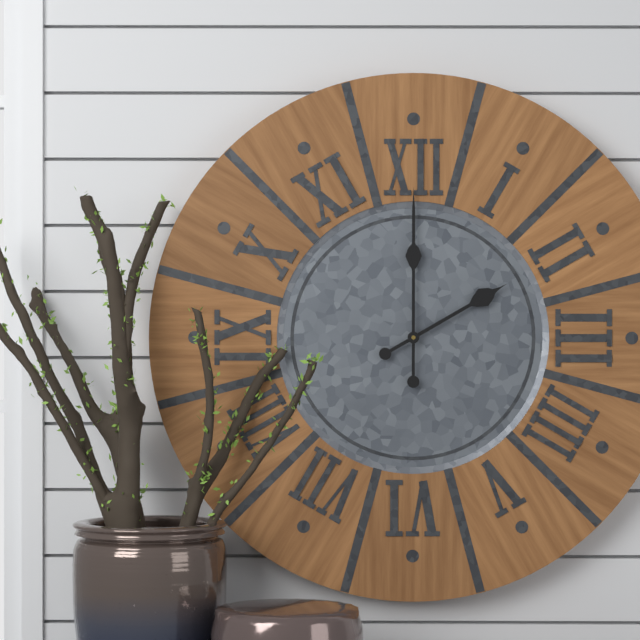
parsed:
2,00
